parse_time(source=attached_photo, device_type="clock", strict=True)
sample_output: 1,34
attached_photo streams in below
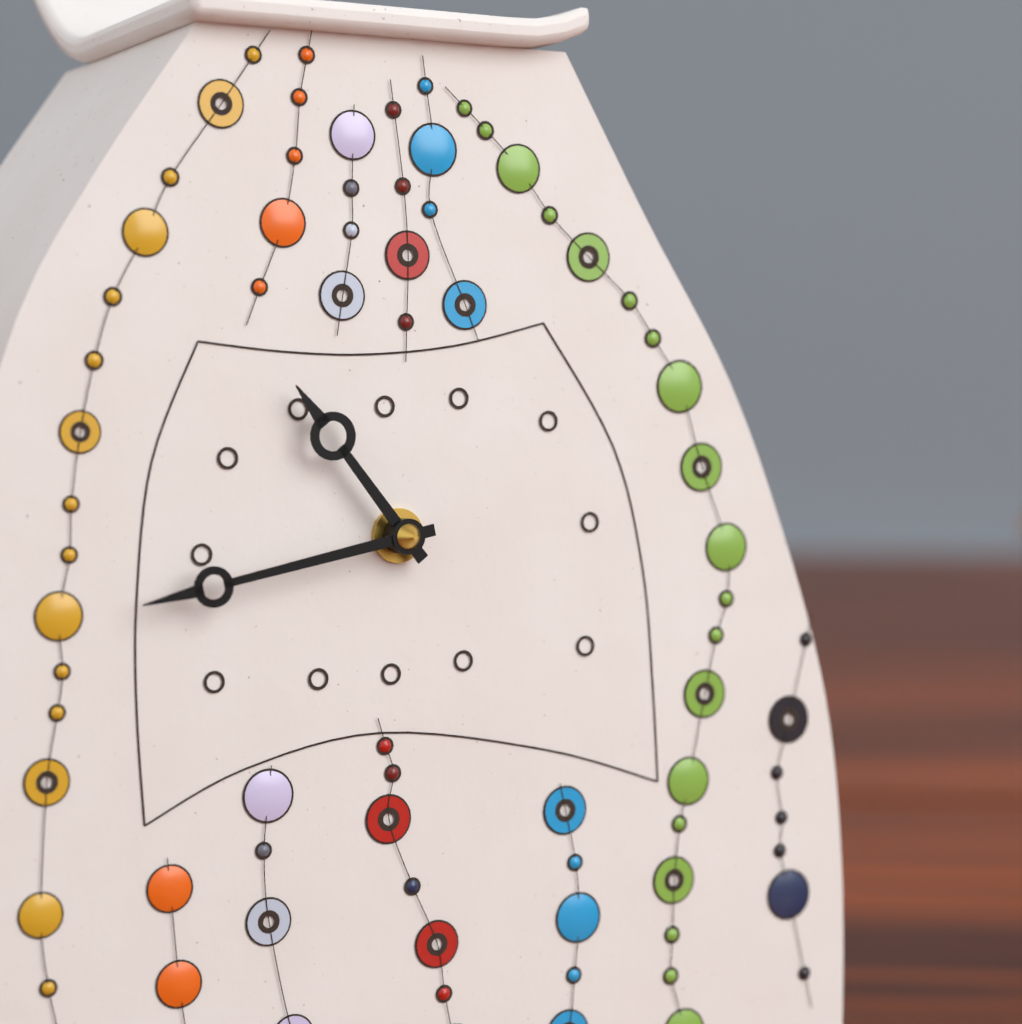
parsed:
10,43
